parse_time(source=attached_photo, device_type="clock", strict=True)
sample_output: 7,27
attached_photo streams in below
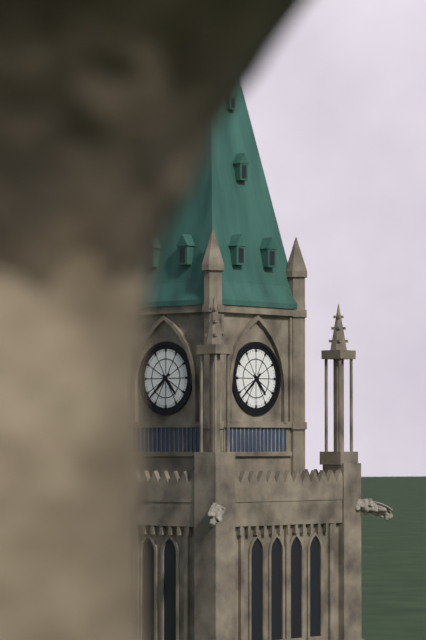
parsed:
4,38
